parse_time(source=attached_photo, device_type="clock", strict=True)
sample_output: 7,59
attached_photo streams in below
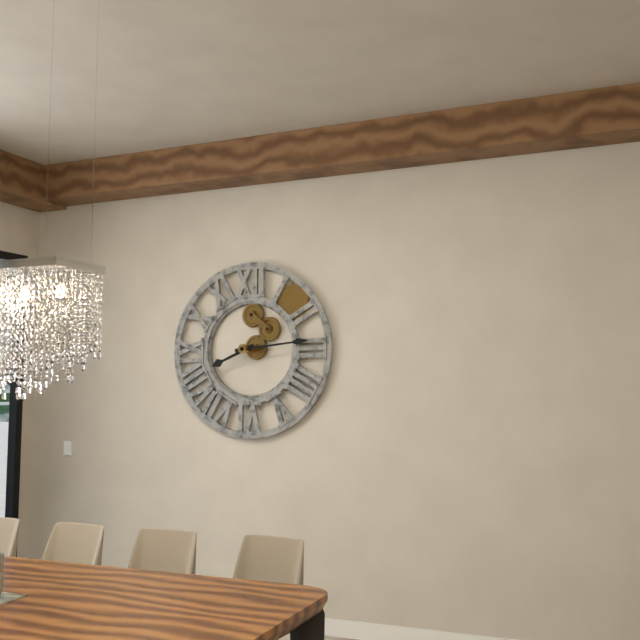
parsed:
8,14
